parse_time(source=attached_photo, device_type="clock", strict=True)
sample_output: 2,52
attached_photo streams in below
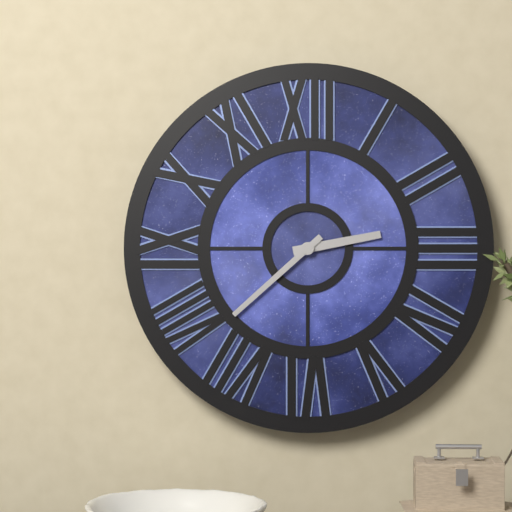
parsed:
2,38
